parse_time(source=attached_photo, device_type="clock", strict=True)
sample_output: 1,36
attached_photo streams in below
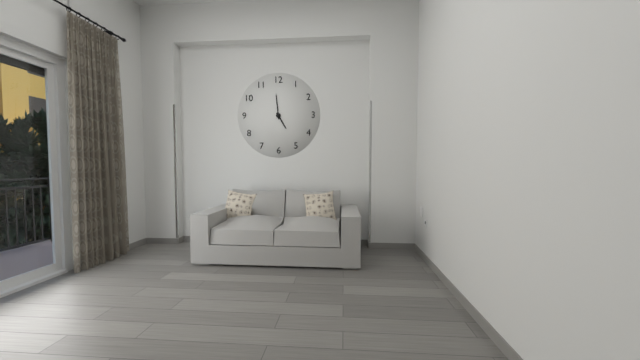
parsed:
4,59
